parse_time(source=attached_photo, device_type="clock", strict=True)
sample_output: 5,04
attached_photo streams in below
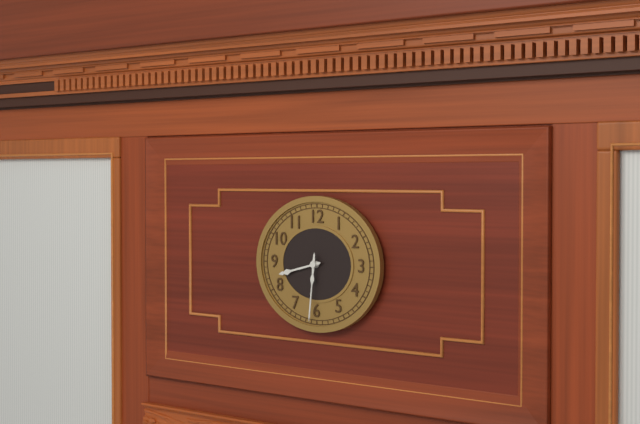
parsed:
8,31
